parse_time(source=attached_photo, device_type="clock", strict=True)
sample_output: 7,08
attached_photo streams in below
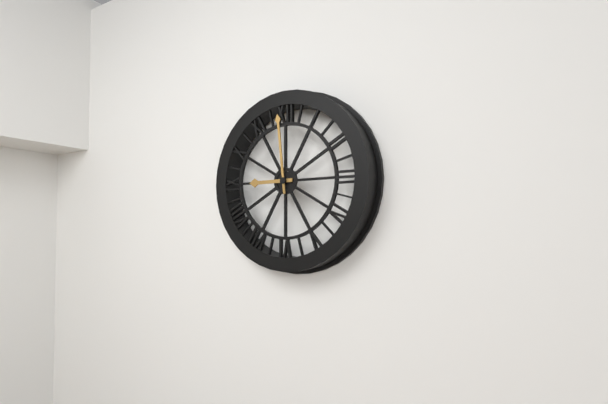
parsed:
8,59
